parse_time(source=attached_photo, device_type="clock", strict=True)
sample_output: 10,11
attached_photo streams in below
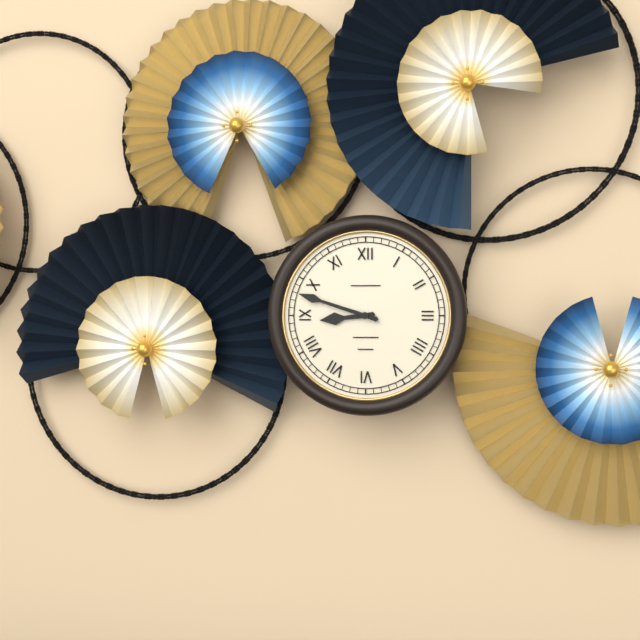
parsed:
8,48
